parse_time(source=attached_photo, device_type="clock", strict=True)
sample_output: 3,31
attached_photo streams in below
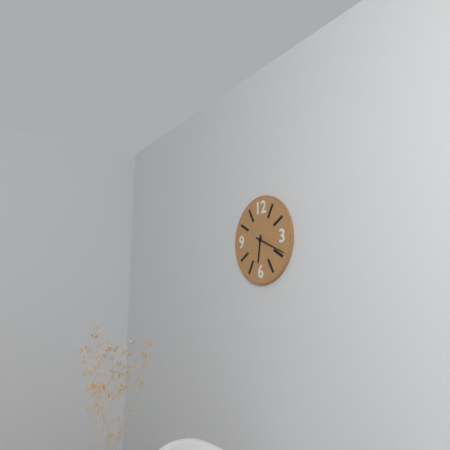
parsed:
6,19
